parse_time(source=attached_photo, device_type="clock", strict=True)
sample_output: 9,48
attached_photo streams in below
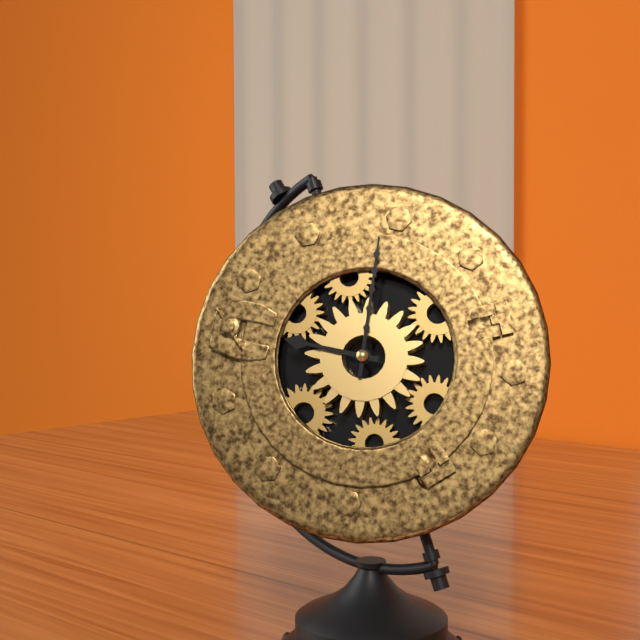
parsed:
8,59
